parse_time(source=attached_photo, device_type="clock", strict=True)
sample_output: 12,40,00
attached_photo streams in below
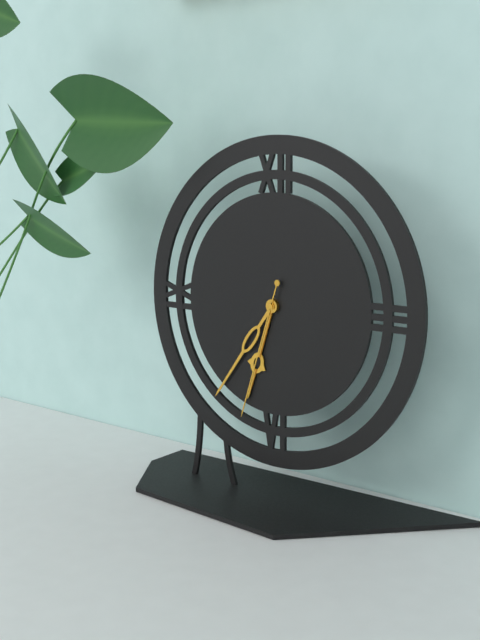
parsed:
6,36,33
